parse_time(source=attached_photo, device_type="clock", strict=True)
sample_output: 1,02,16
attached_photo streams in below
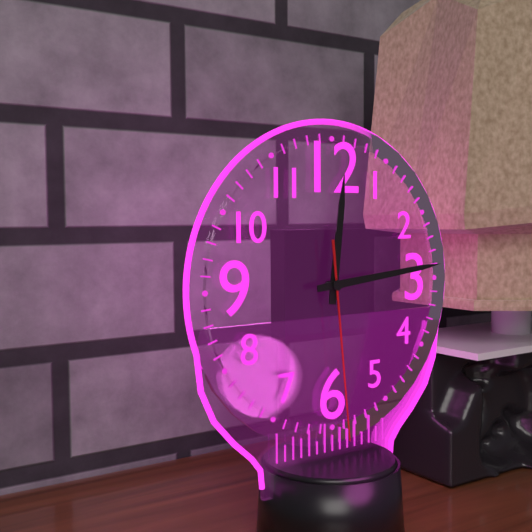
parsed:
12,14,29
